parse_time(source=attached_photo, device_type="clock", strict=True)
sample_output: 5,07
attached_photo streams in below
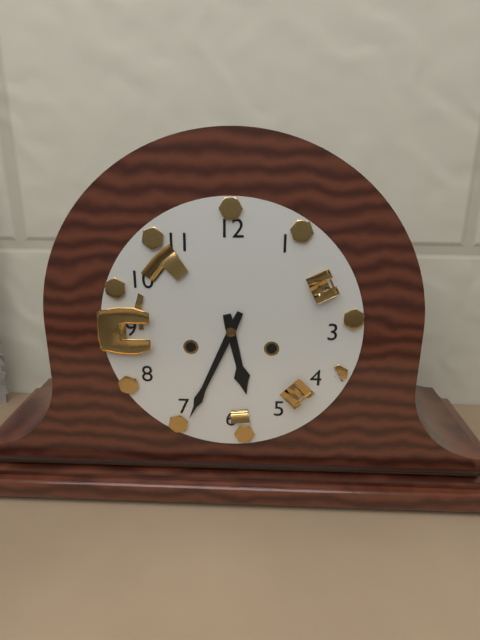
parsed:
5,34
